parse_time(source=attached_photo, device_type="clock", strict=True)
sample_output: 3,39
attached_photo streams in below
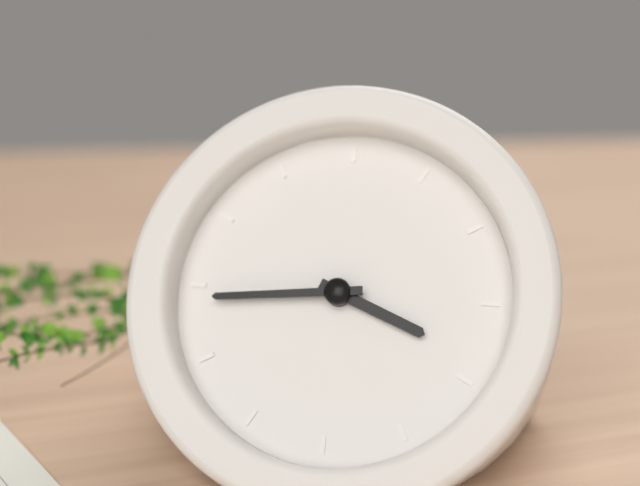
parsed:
3,44
